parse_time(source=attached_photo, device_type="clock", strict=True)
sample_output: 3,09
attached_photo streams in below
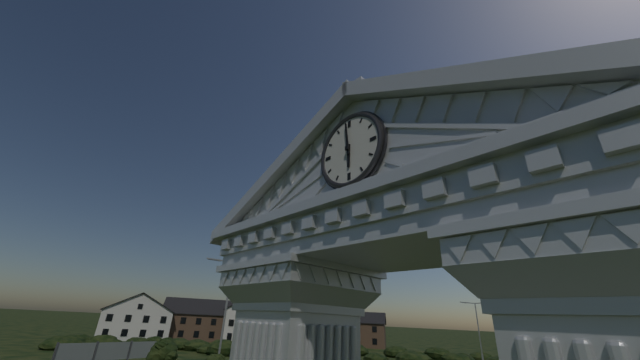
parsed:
5,59
